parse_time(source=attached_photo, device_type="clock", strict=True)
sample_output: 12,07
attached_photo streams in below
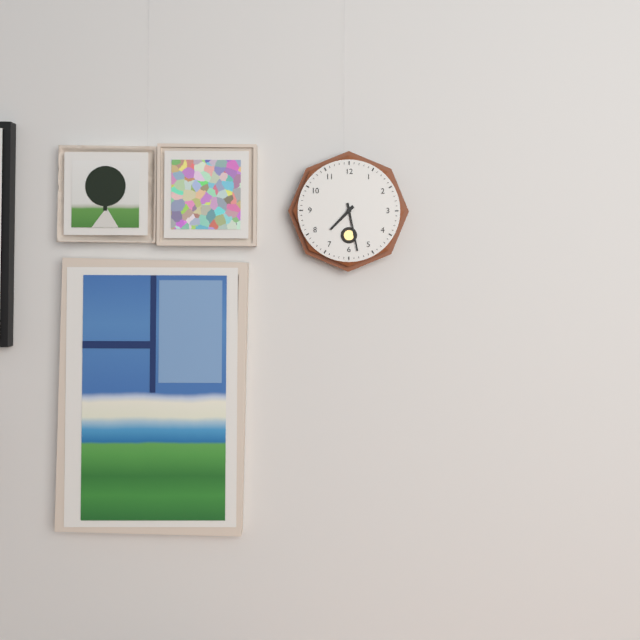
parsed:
7,28
